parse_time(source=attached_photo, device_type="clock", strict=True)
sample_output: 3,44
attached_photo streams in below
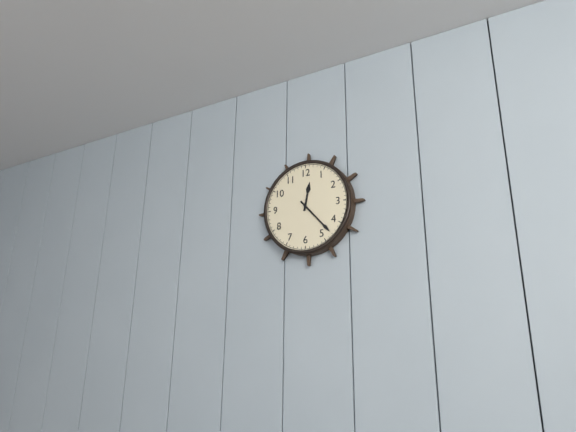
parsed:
12,23
